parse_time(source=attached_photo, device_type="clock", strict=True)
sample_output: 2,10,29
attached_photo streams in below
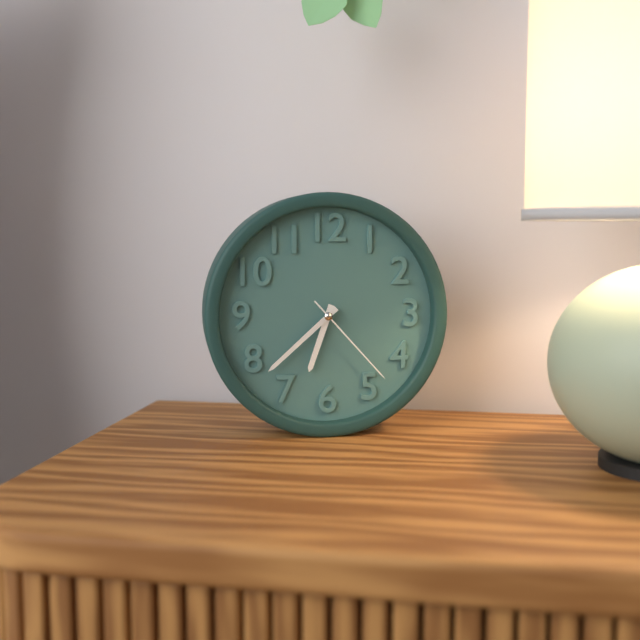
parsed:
6,38,23
